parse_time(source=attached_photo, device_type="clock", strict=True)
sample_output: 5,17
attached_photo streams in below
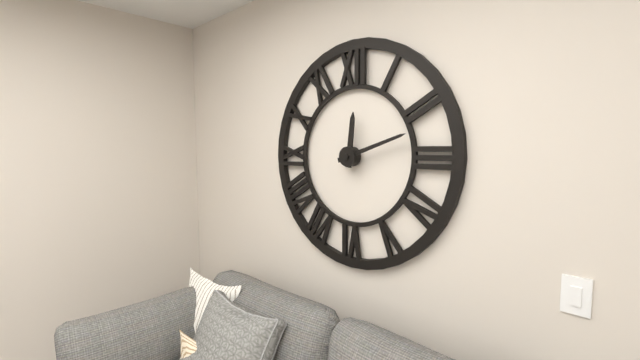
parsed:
12,12
